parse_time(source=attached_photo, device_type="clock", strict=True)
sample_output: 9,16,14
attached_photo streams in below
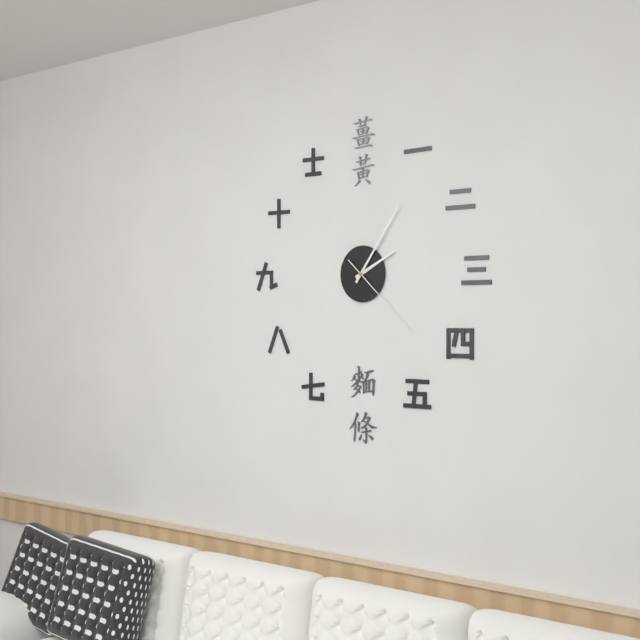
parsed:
2,06,22
